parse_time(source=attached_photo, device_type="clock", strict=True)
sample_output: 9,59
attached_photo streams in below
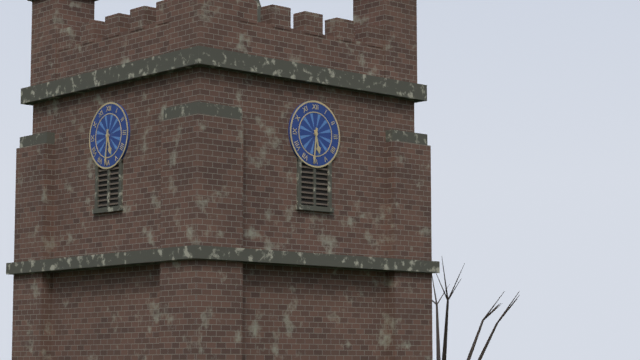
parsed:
5,31
